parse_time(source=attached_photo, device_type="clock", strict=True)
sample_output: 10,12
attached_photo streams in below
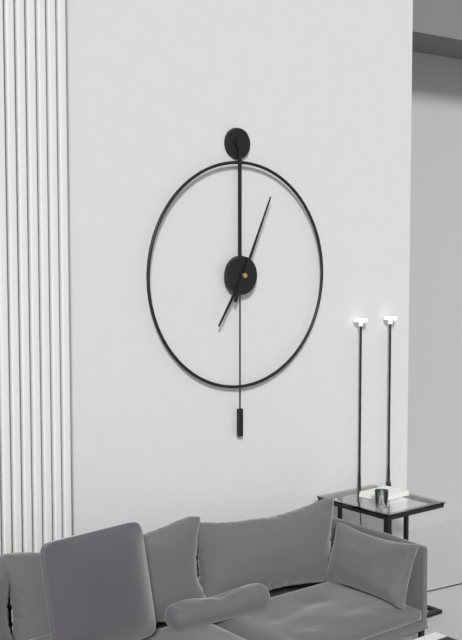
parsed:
7,04
